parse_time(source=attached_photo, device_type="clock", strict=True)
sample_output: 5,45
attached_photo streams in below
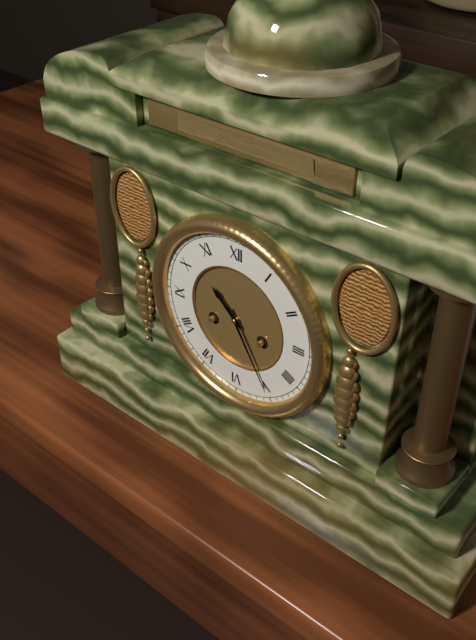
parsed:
10,25
